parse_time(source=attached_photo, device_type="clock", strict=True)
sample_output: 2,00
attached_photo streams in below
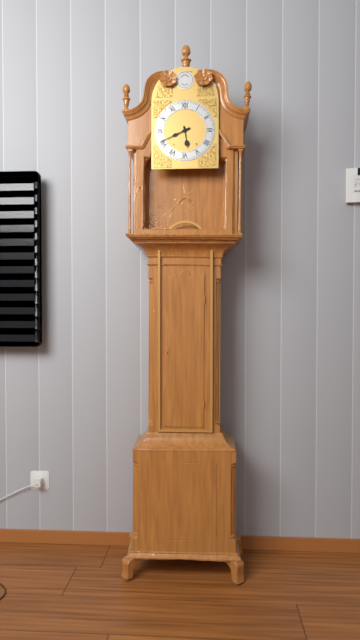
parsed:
5,41
